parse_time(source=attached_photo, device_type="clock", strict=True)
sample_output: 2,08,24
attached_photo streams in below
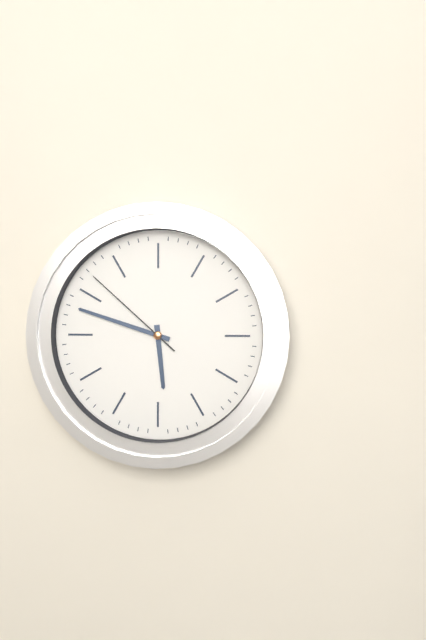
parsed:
5,48,52
